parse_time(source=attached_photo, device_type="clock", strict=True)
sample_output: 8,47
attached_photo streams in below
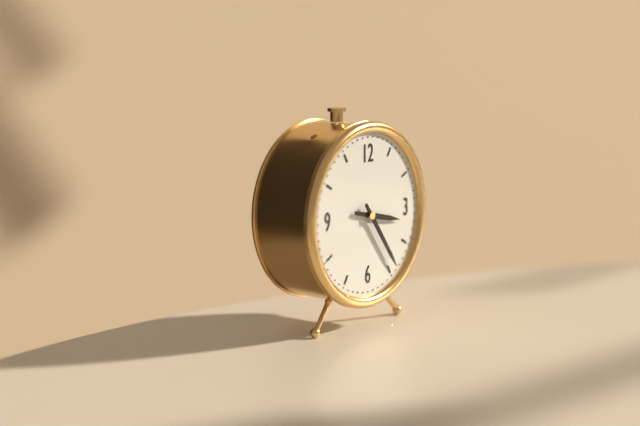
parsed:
3,24
